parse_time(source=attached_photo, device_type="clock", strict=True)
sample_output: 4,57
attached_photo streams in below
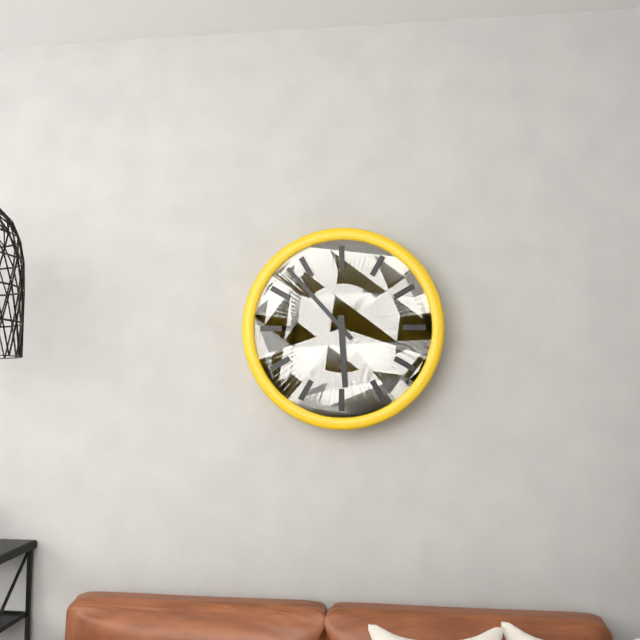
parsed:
5,53
